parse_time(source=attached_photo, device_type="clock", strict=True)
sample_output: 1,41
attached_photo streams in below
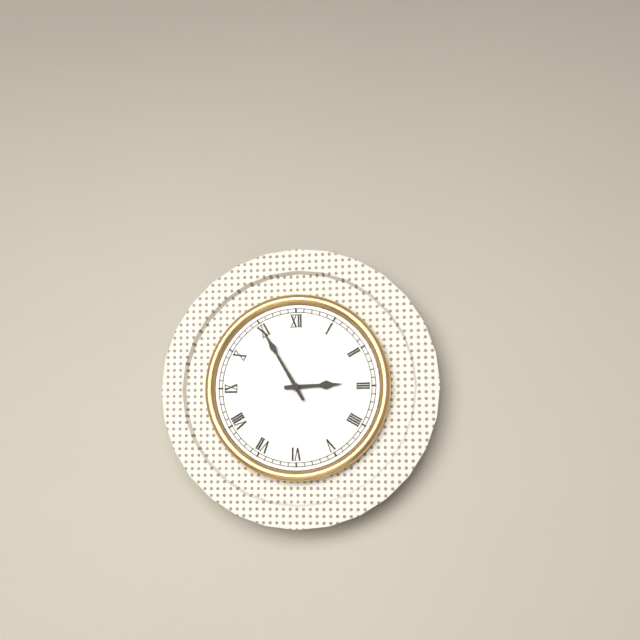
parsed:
2,55
